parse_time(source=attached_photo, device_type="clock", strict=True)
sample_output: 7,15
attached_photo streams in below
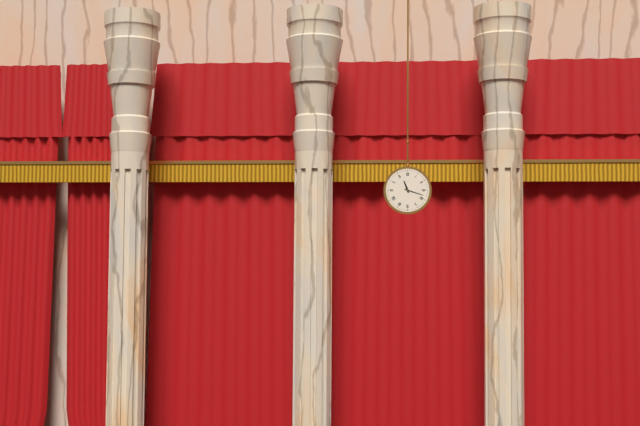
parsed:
11,18
